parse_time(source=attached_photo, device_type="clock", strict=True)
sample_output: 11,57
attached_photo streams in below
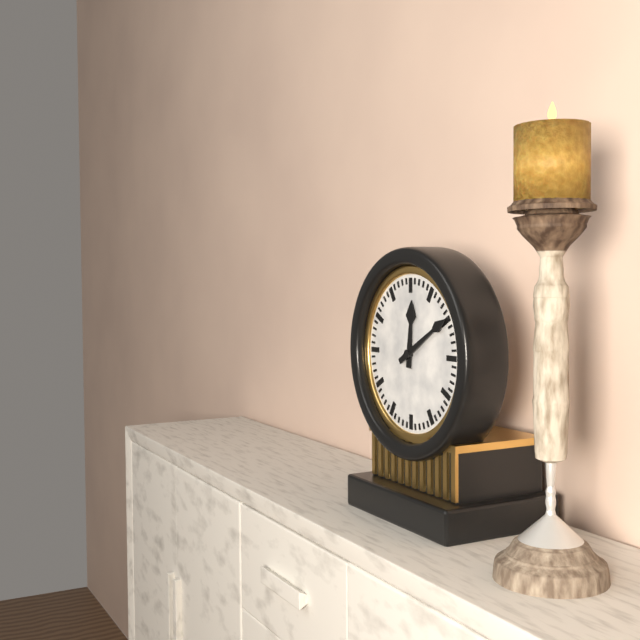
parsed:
12,10
